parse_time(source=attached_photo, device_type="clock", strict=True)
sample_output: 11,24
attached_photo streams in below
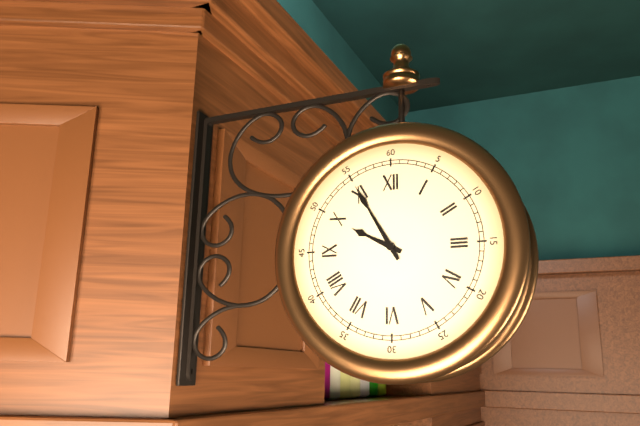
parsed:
9,55
